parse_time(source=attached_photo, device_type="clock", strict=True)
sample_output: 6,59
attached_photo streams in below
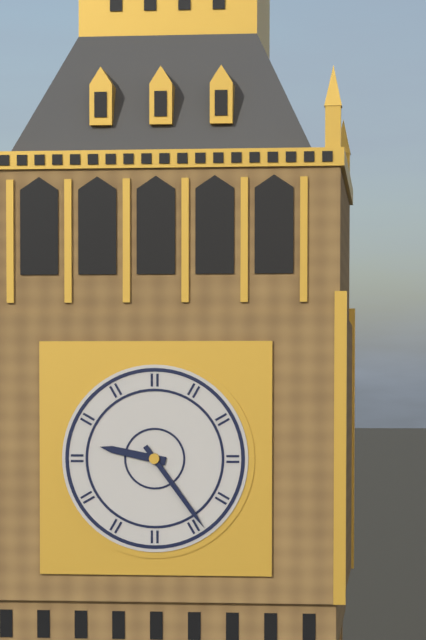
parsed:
9,24
